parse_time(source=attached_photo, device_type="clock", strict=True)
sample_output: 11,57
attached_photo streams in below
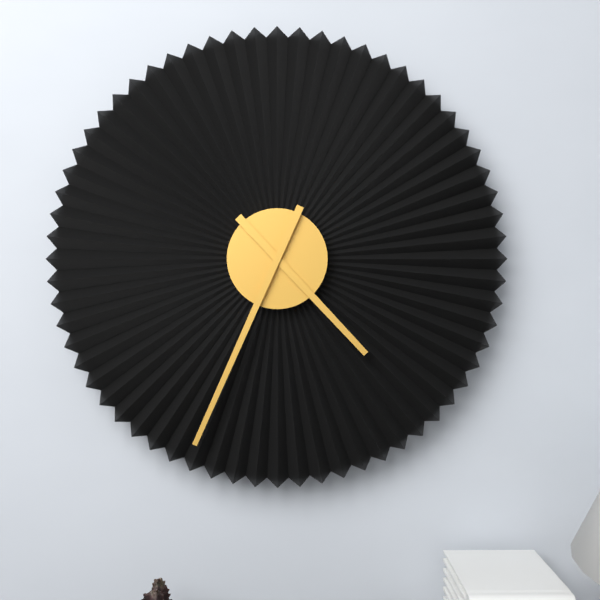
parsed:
4,34
